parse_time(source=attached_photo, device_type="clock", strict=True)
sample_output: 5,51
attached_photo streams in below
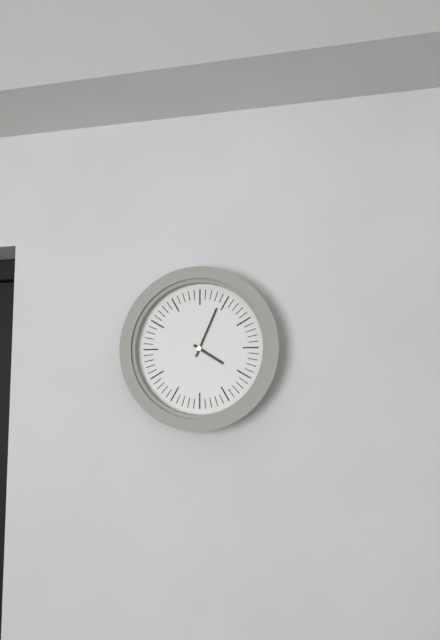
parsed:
4,04
